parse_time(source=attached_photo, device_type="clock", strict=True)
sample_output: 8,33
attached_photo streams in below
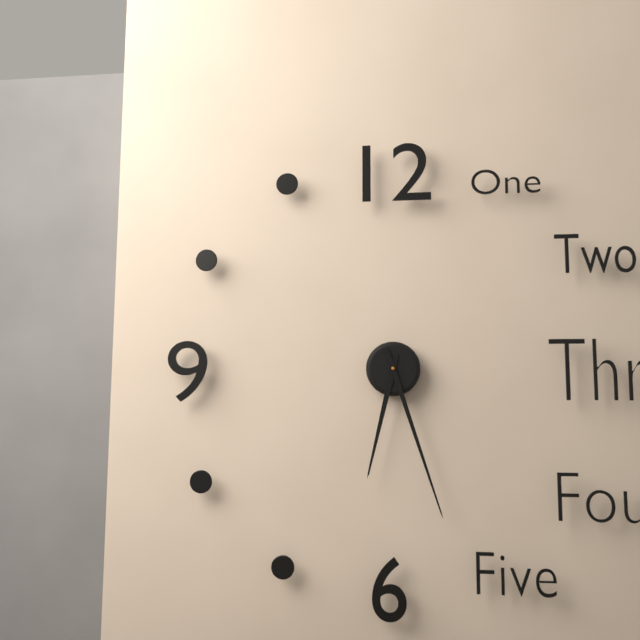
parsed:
6,27
